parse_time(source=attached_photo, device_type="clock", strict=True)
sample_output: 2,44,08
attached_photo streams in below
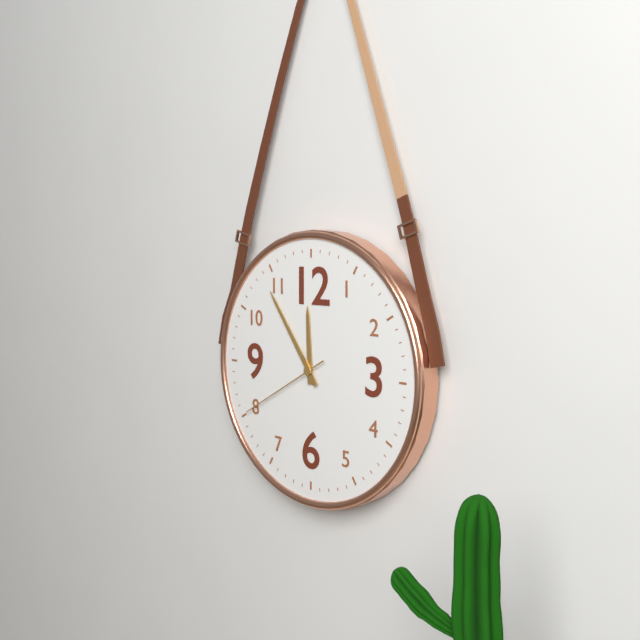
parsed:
11,54,40
